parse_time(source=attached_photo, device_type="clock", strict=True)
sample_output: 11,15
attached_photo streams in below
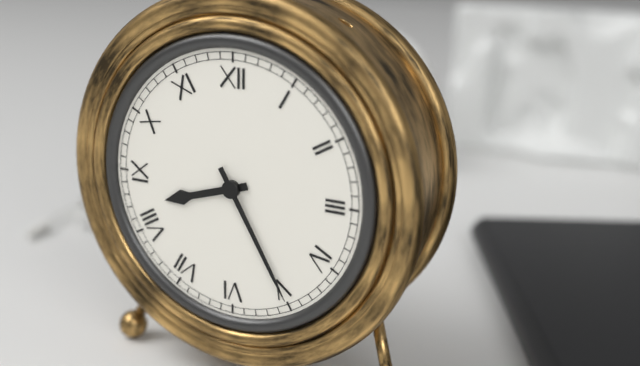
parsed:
8,25
